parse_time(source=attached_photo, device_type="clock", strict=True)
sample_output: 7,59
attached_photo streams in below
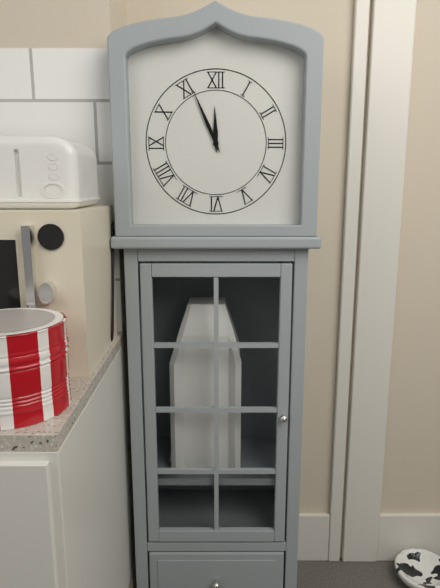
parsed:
11,56
